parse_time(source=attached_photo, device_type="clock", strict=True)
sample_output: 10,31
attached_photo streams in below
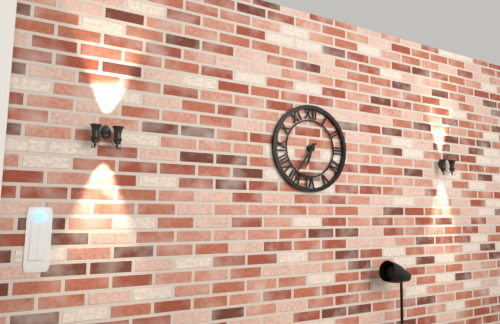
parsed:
6,36
